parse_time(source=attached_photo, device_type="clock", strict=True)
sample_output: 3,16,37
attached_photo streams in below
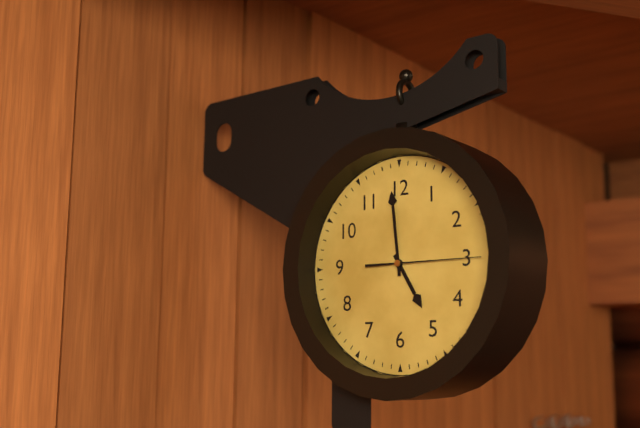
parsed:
4,59,15
